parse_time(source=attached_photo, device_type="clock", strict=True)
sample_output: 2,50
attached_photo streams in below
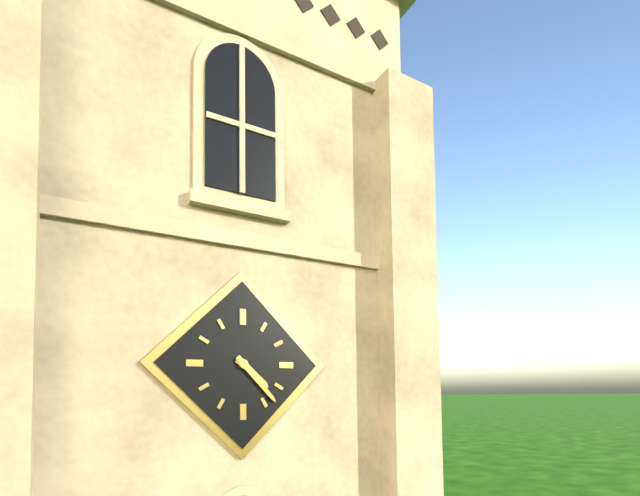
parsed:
4,23
